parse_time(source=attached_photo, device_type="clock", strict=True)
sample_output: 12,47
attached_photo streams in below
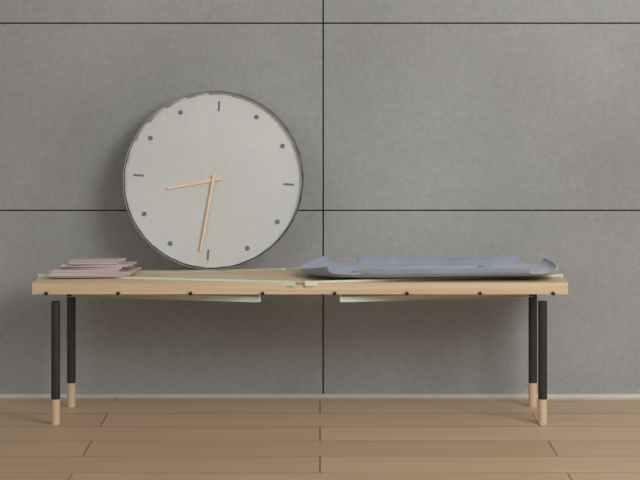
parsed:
8,31
